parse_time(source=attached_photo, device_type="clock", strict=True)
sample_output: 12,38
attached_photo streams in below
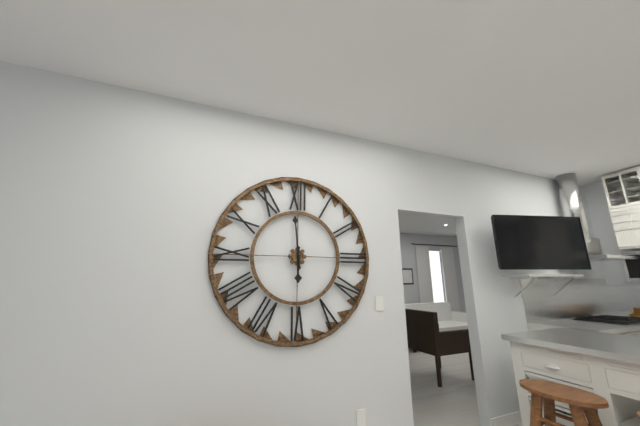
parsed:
5,59
